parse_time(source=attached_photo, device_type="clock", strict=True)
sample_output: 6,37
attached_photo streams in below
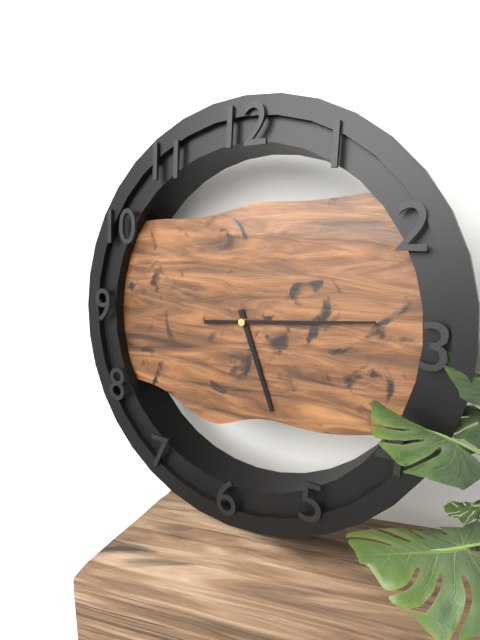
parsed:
5,14
